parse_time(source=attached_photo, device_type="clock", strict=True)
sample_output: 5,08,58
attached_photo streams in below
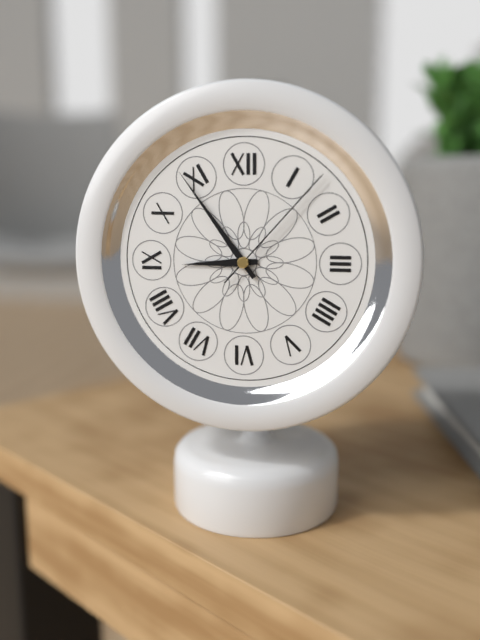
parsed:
8,54,07
